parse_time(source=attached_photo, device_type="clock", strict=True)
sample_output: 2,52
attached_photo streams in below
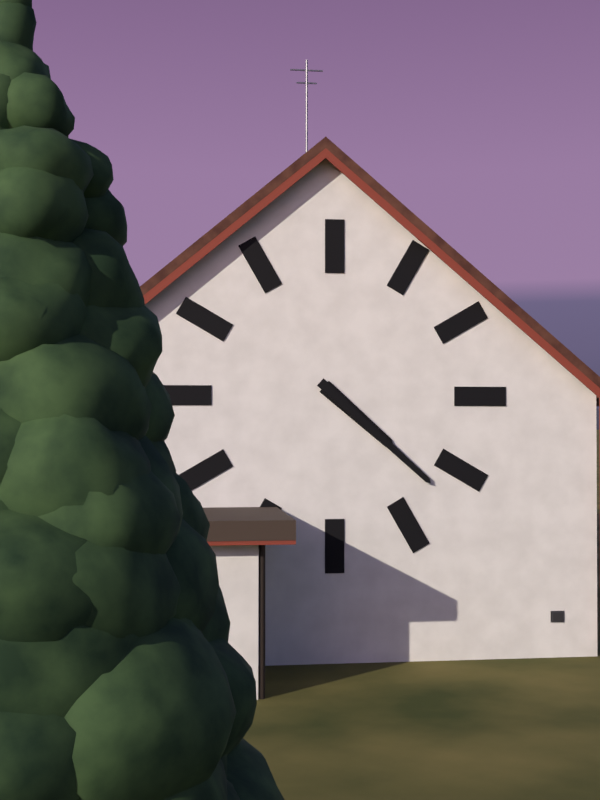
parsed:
4,22
